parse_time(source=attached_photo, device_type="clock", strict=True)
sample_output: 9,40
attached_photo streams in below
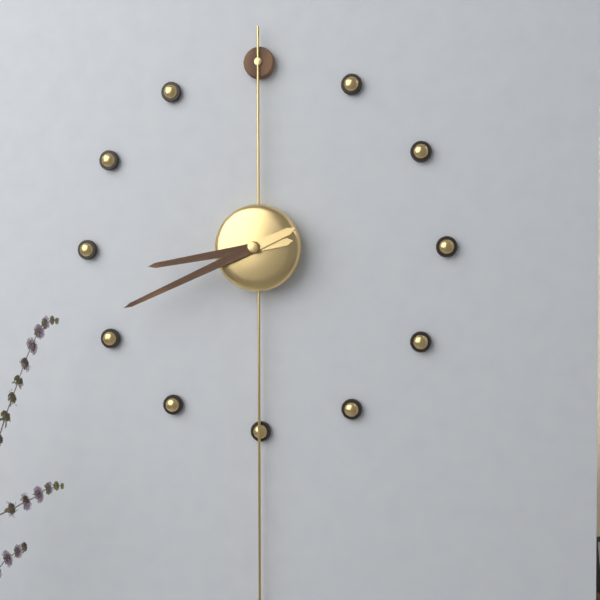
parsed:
8,41
